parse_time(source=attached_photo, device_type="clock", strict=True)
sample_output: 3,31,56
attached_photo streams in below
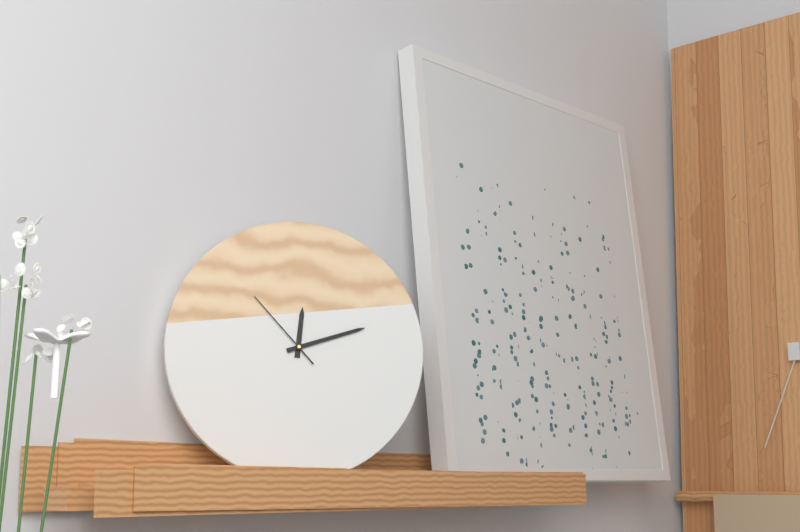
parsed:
12,12,53
